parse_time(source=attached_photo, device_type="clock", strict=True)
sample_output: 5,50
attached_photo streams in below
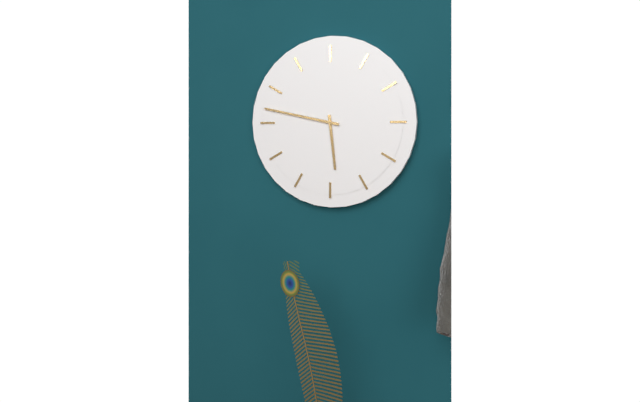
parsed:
5,47
